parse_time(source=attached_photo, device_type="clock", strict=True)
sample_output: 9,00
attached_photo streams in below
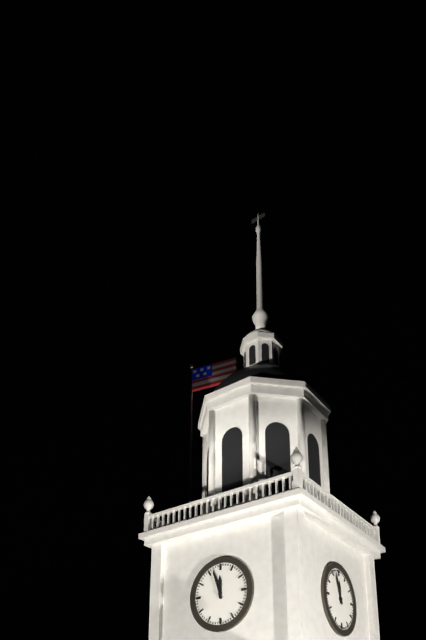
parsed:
11,57
